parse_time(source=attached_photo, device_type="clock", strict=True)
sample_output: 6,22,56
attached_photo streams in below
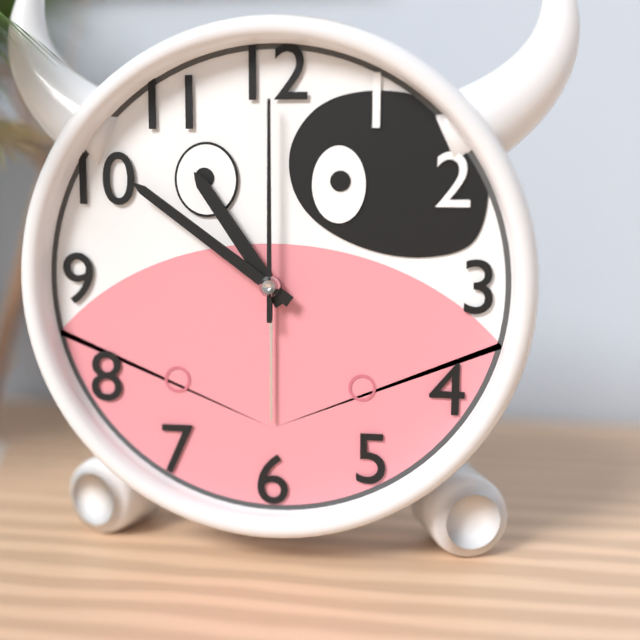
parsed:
10,51,00
